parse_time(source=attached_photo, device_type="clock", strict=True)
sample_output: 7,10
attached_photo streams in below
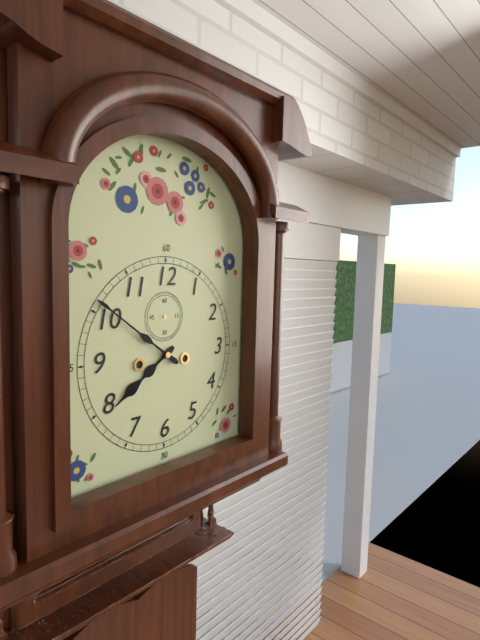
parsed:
7,51
